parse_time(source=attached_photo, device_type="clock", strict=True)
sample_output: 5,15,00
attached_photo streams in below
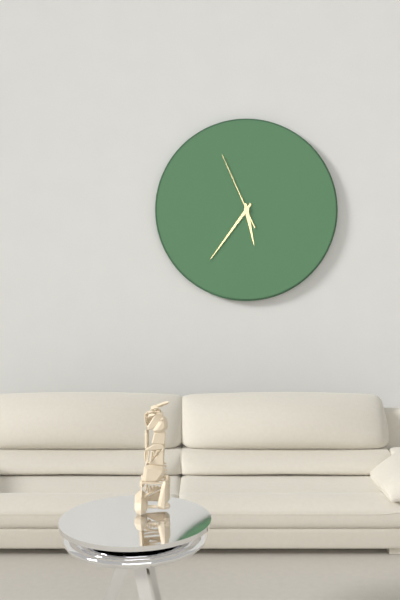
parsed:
5,36,56
